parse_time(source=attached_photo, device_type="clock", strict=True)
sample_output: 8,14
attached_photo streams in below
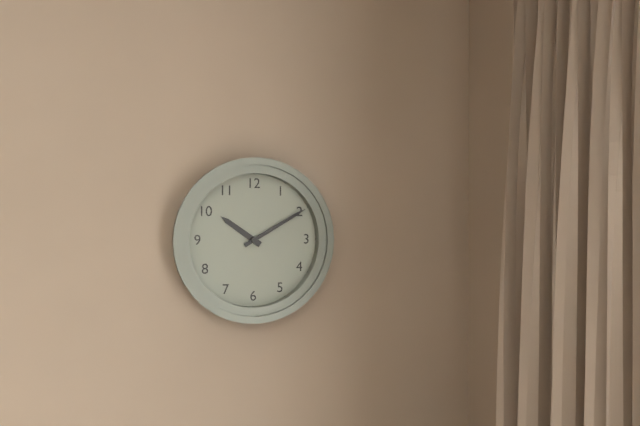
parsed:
10,10
